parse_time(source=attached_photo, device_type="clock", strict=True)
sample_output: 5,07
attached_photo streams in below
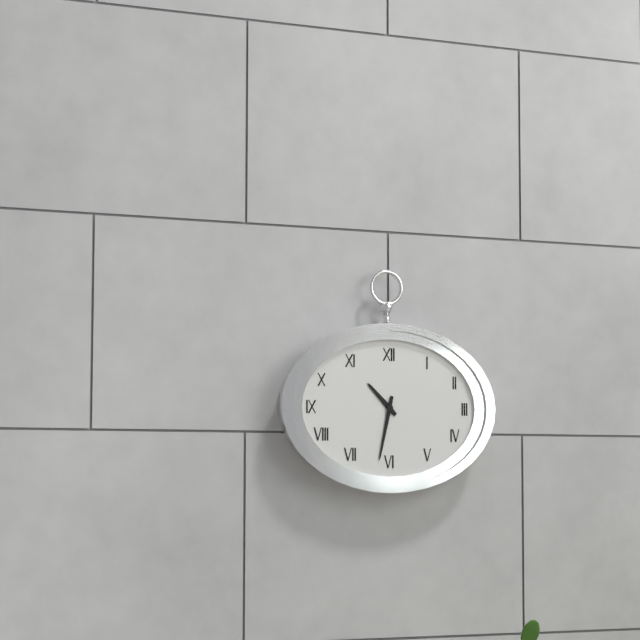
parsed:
10,32
